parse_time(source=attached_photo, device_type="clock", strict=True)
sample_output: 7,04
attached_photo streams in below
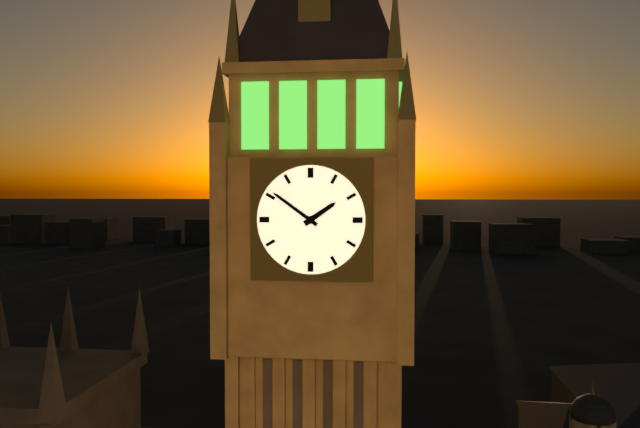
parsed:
1,51
